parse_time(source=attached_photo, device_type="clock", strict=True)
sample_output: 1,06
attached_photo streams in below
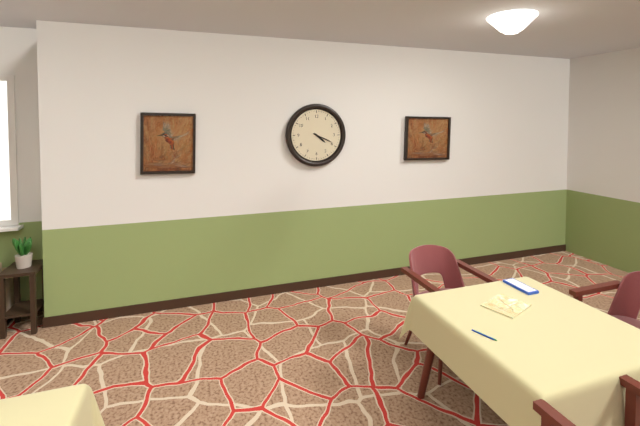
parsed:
4,19
